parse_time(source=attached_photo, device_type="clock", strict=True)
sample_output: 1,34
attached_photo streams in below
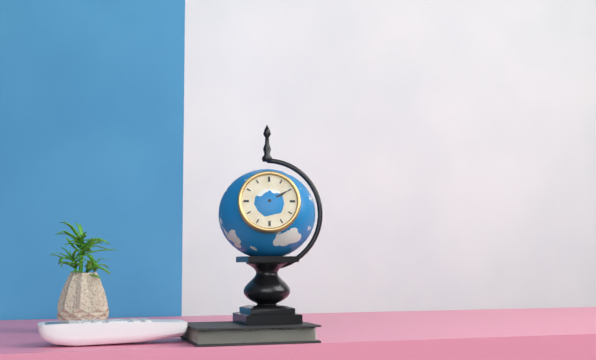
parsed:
2,10
